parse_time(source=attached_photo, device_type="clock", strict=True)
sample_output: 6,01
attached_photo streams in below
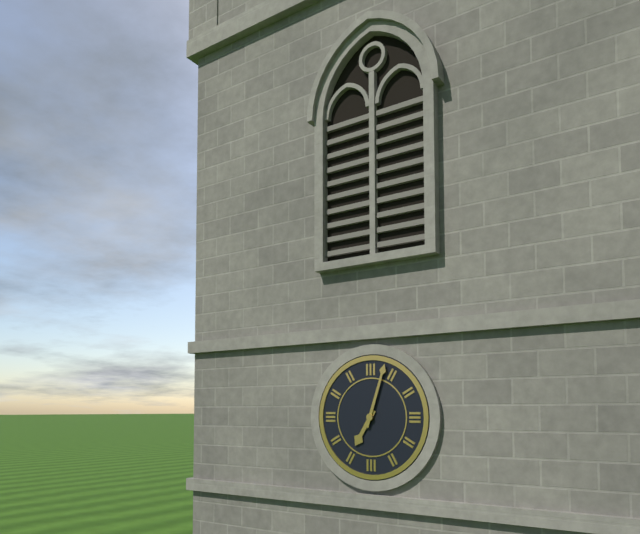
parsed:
7,03
